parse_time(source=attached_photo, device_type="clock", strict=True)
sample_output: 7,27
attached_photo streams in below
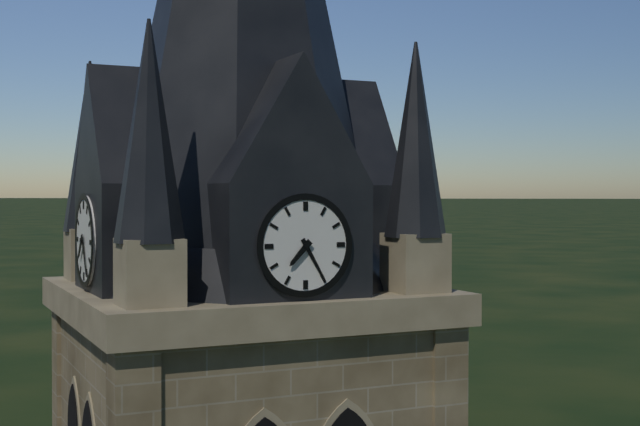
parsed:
7,25
